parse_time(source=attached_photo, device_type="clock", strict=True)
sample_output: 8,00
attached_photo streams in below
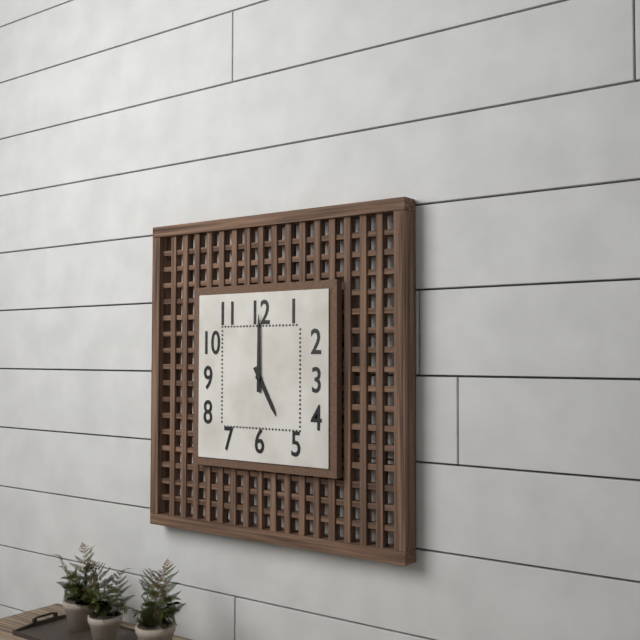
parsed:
5,00
